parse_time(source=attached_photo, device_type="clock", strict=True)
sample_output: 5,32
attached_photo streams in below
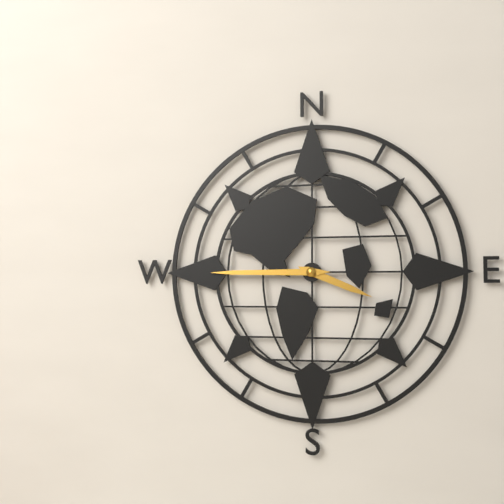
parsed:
3,45
